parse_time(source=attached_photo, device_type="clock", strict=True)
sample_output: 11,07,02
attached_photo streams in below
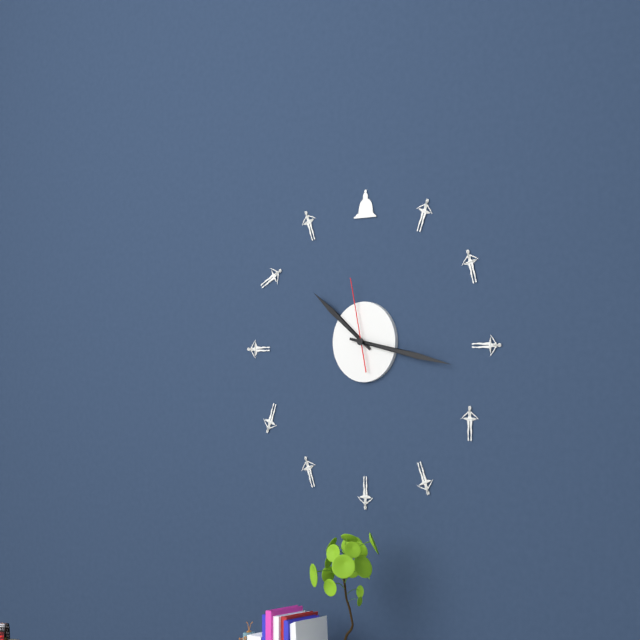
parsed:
10,17,58
